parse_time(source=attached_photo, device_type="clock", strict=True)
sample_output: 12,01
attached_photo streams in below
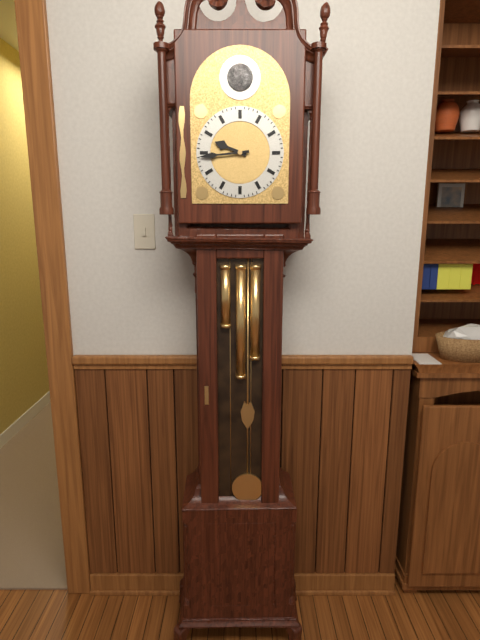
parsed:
9,44
